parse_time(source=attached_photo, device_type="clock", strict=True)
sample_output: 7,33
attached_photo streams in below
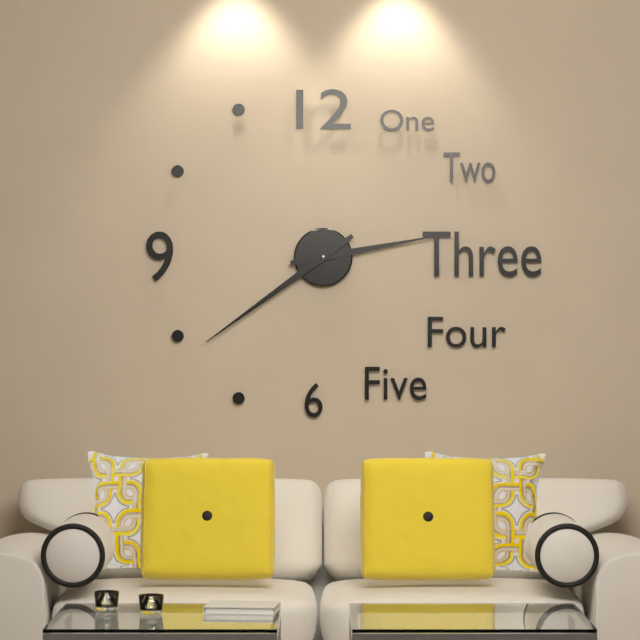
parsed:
2,39
